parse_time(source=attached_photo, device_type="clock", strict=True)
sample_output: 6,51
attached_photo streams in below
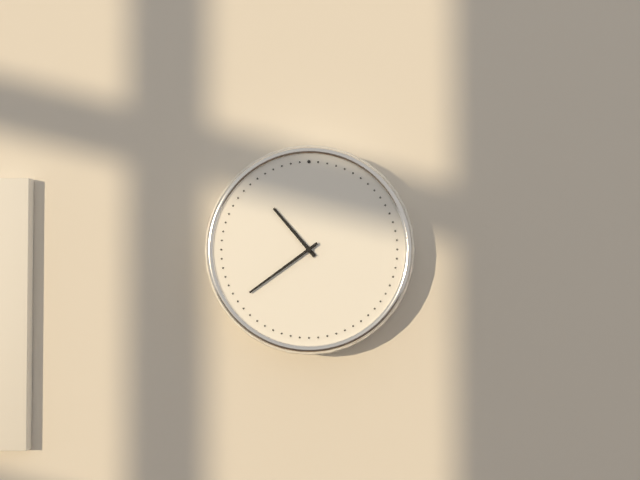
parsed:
10,39
